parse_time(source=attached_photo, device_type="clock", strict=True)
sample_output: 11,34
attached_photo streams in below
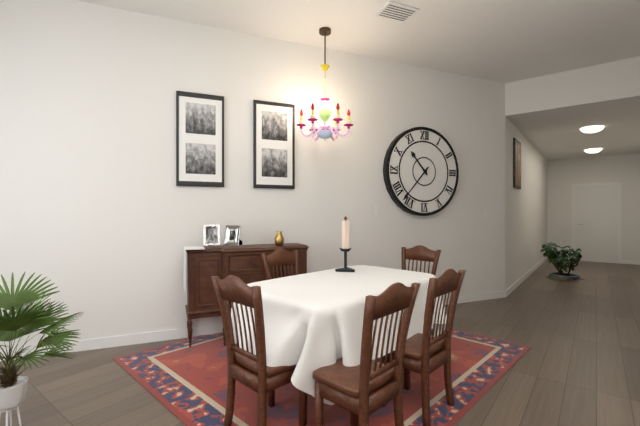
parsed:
10,37
